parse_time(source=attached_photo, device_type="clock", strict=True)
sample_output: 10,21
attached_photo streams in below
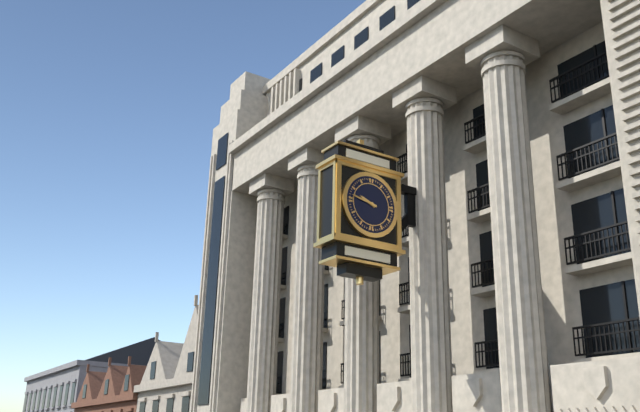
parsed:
9,47
